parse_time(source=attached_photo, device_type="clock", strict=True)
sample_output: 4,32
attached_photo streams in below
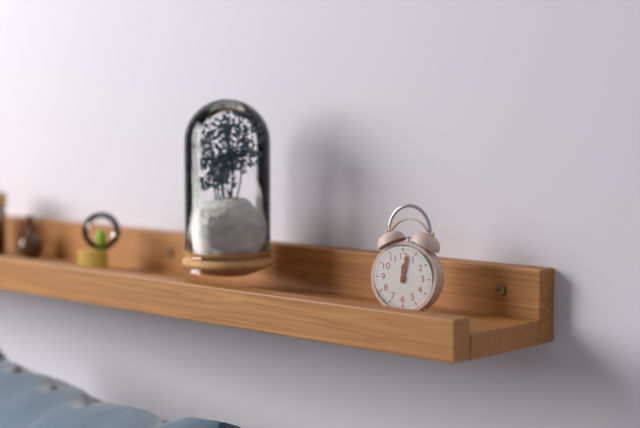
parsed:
12,02
